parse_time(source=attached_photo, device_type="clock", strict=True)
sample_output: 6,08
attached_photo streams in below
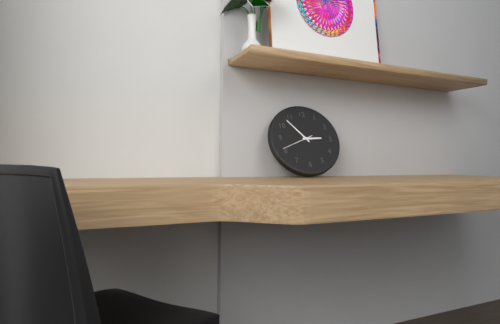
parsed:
2,53
